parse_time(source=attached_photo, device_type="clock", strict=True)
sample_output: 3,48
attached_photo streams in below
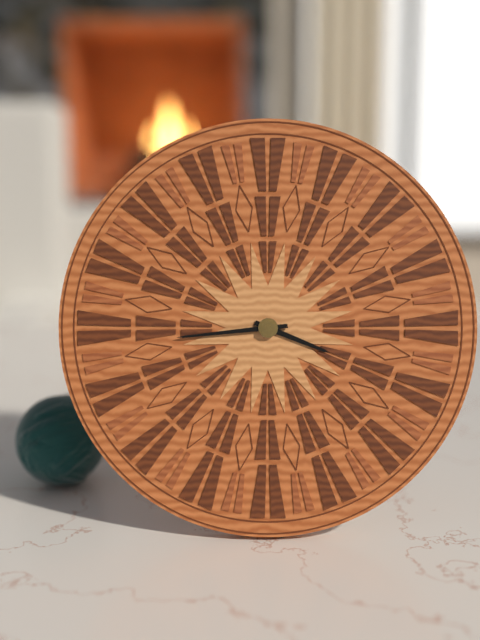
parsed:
3,44
